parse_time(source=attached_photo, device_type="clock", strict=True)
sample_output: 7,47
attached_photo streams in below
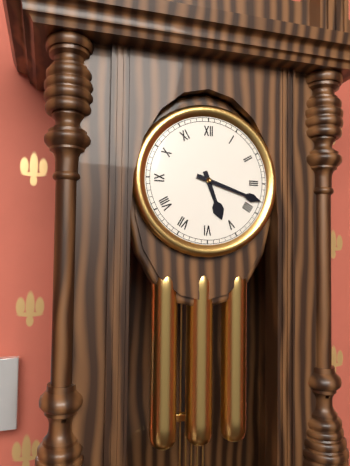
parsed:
5,18
